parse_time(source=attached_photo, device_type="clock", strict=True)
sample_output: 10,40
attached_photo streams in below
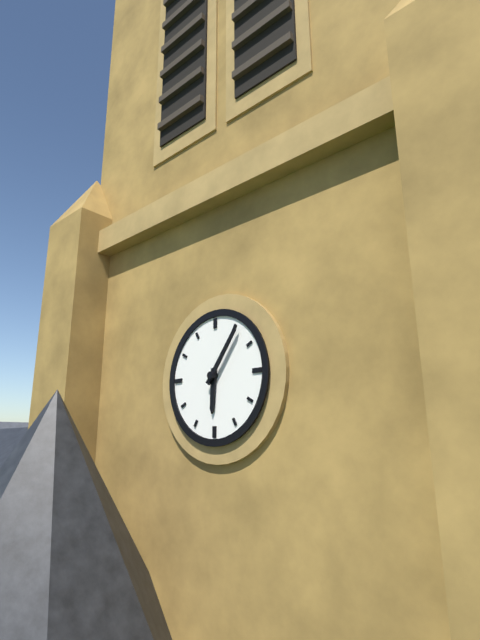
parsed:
6,06
